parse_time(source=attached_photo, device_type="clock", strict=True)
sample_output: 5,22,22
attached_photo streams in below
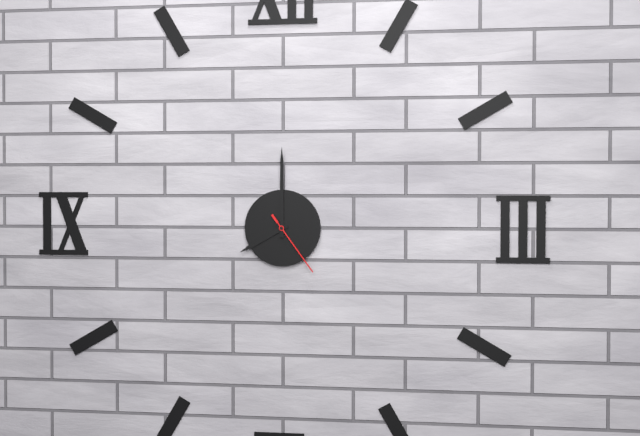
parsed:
8,00,24
